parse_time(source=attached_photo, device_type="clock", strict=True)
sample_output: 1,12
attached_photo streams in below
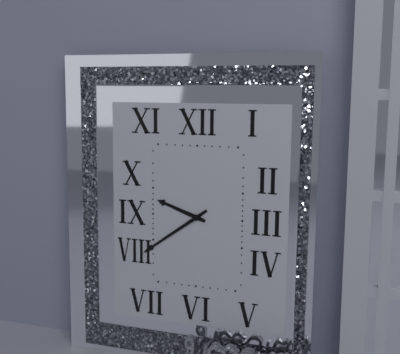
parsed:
9,39
